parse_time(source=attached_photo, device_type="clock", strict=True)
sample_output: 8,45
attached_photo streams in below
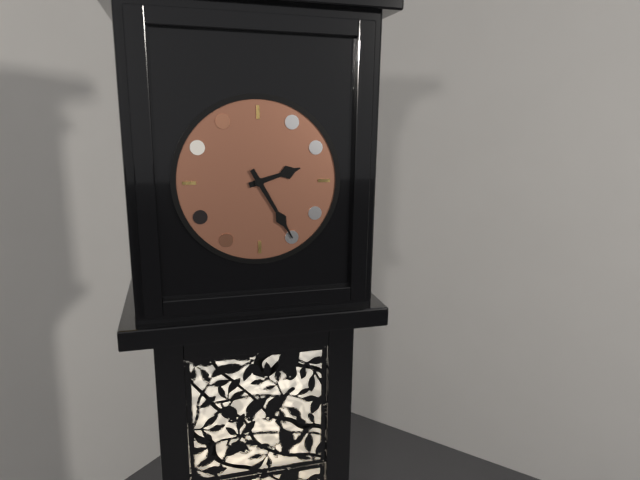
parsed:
2,25
